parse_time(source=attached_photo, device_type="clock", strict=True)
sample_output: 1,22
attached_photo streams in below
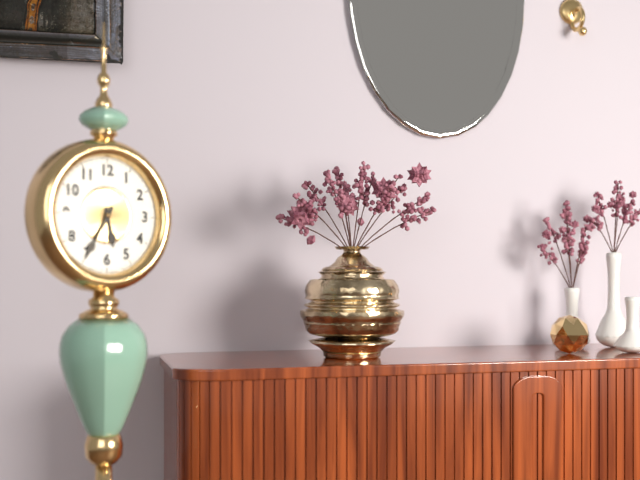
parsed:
5,35
